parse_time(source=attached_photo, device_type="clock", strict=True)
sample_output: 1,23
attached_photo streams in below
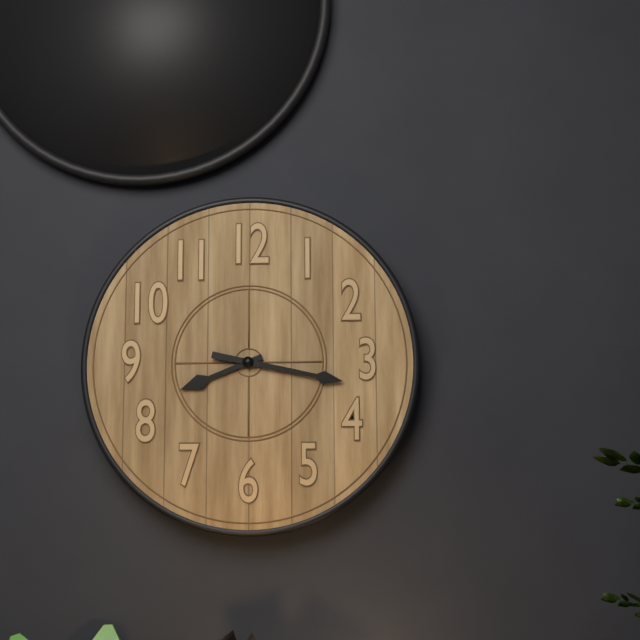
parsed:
8,17
